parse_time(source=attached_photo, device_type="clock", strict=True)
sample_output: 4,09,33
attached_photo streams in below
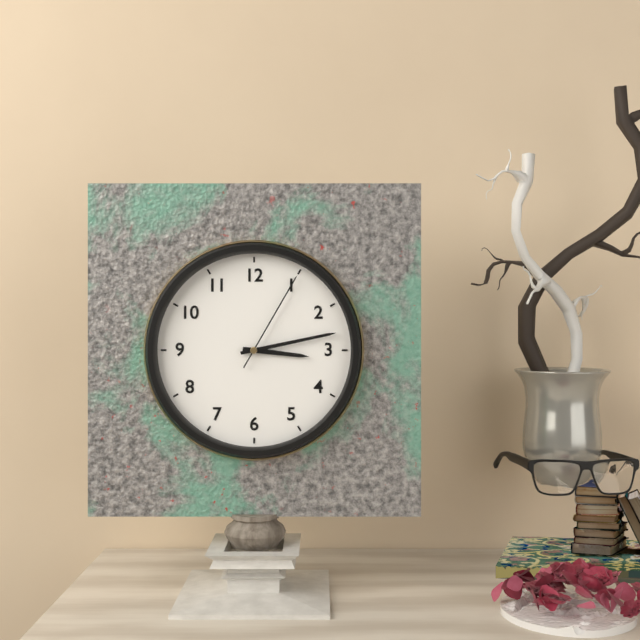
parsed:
3,13,05
